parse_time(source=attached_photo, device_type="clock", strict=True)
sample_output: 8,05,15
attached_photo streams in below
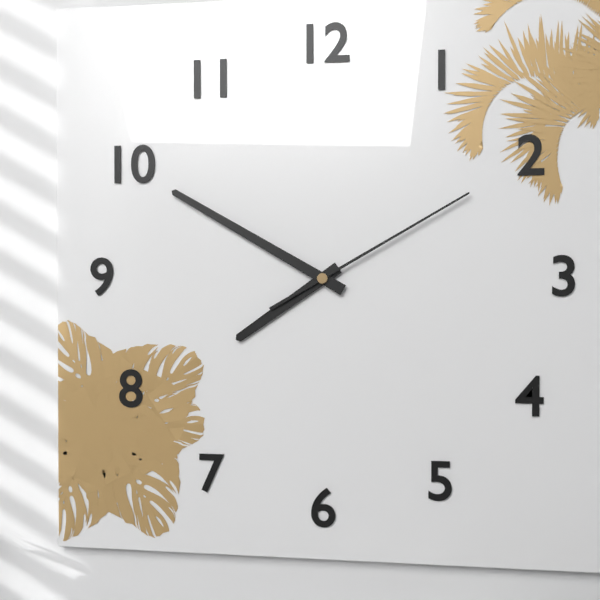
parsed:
7,50,10
